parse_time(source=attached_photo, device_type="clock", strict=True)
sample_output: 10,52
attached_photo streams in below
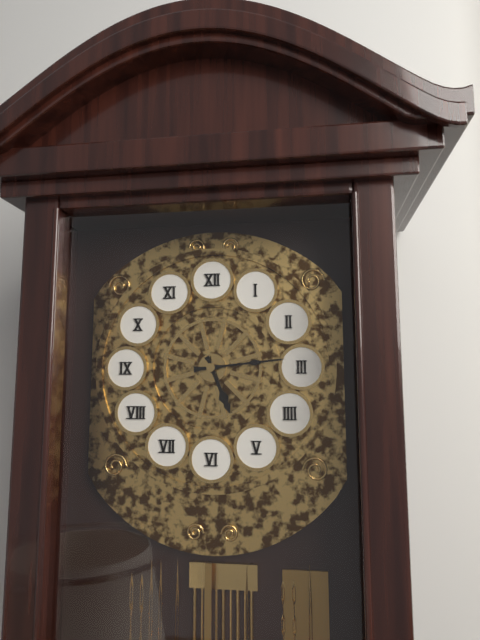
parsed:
5,14
